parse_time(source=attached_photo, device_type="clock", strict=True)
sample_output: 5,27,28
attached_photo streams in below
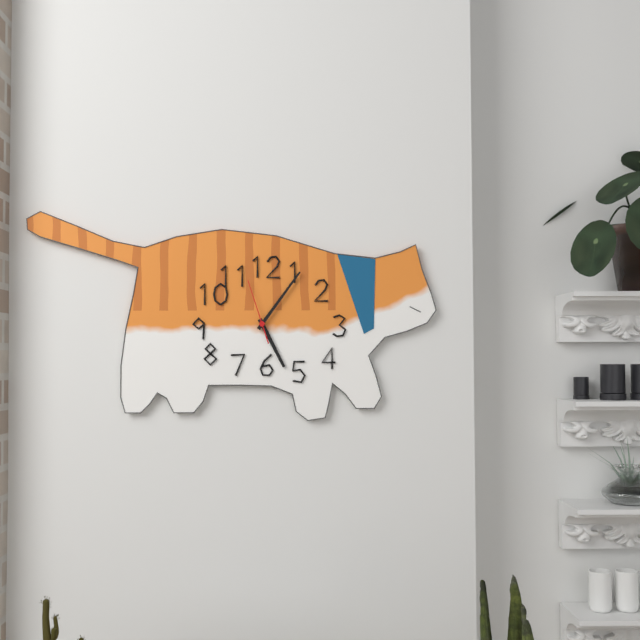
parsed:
5,06,57
